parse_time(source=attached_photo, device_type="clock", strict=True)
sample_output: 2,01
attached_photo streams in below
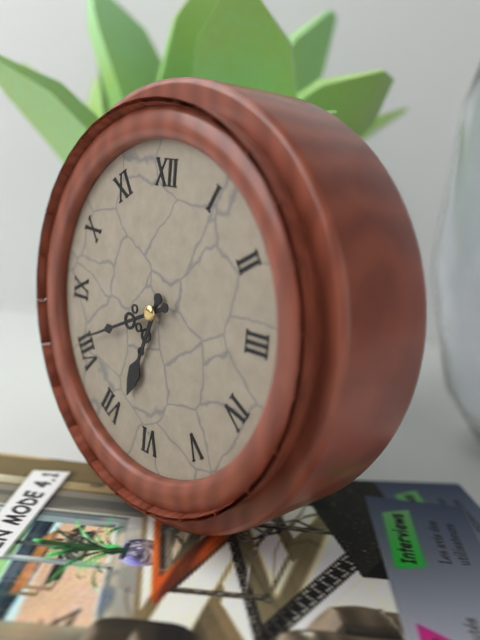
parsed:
6,41
